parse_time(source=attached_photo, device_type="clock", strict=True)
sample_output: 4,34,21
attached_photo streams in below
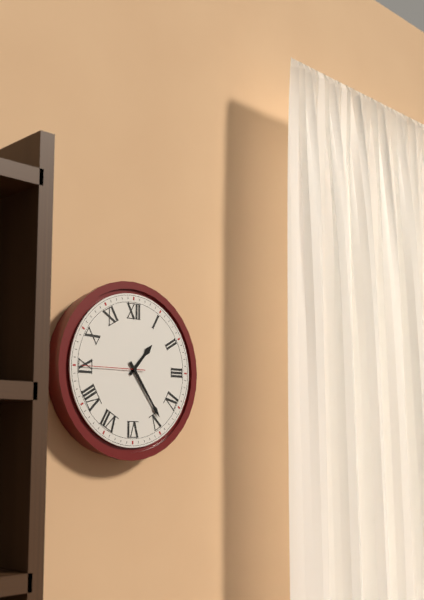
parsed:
1,24,45
